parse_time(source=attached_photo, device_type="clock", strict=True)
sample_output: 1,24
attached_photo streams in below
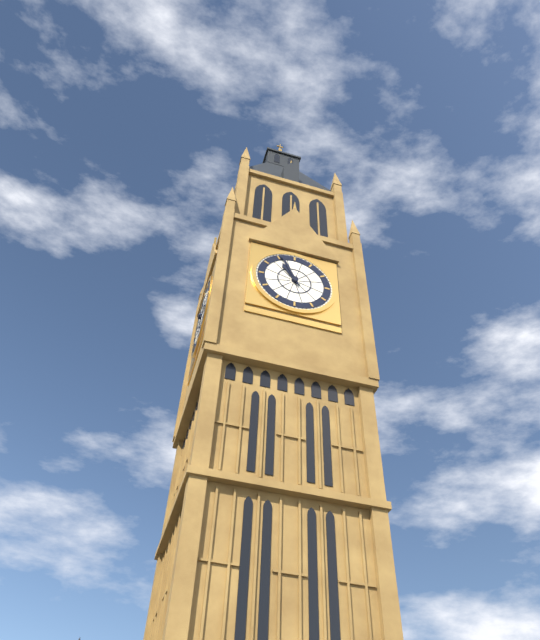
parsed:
10,56
